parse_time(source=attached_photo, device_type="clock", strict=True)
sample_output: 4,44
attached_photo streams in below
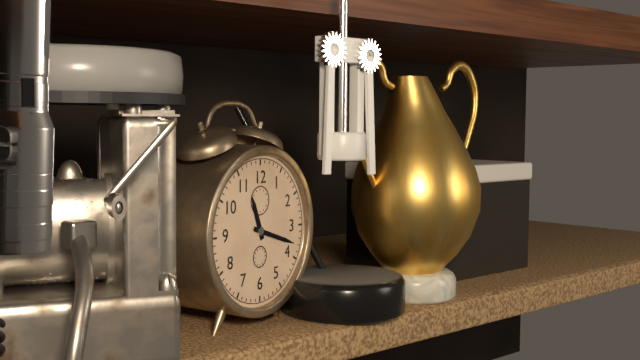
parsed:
11,18
